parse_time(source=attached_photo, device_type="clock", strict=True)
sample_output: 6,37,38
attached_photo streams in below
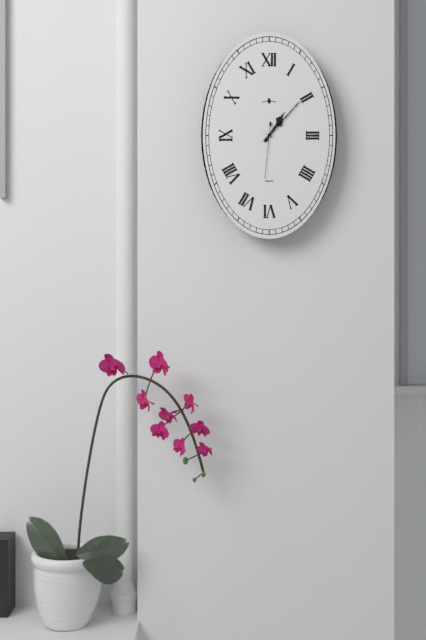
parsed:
1,07,31
